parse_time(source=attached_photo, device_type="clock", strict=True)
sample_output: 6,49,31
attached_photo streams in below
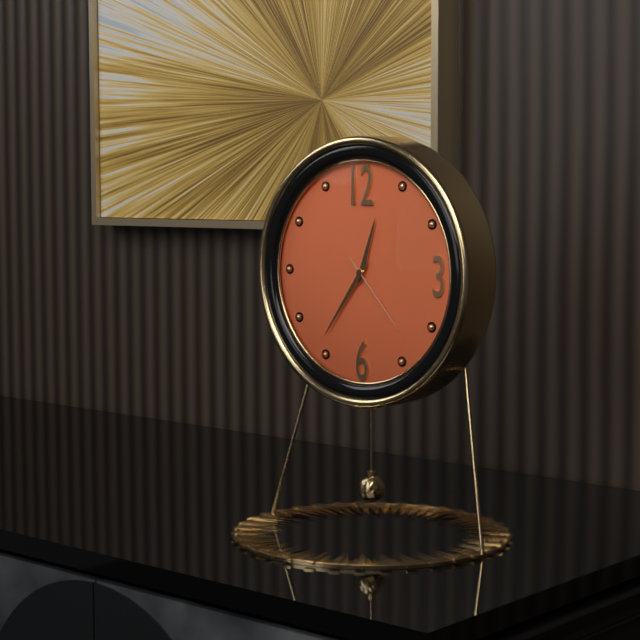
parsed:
12,36,23
